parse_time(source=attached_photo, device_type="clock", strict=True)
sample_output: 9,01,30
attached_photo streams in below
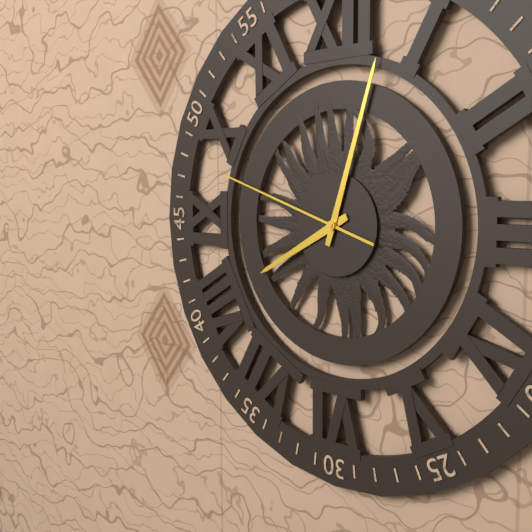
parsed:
8,03,48
